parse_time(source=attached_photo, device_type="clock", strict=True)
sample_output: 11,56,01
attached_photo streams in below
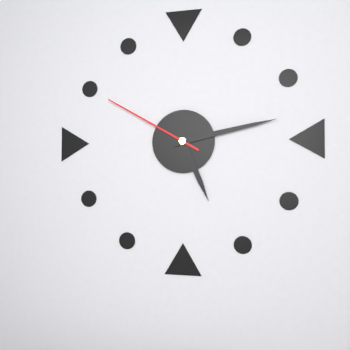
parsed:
5,13,50
